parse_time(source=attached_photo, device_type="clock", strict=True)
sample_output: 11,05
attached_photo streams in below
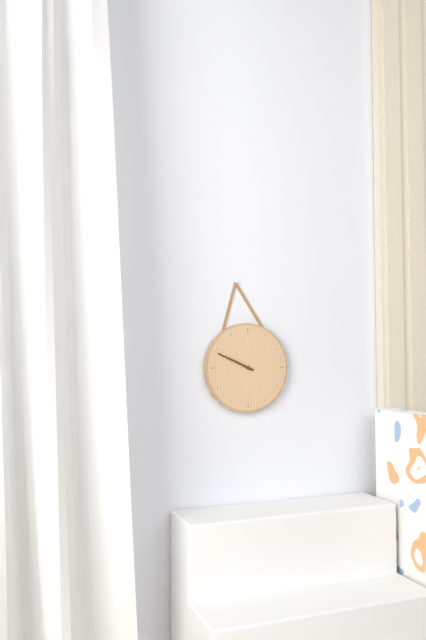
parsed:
9,49
